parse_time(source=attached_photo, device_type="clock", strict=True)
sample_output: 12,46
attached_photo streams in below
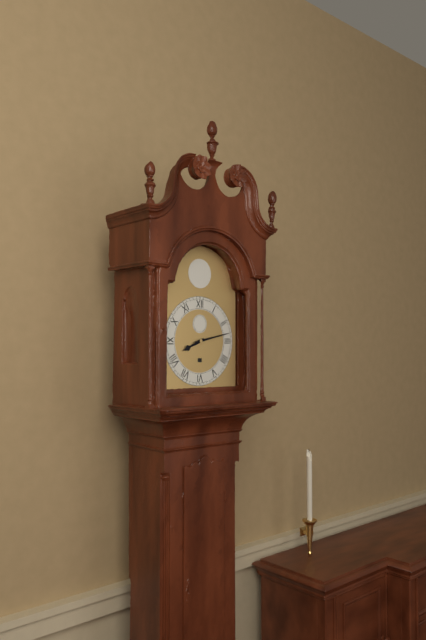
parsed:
8,13
